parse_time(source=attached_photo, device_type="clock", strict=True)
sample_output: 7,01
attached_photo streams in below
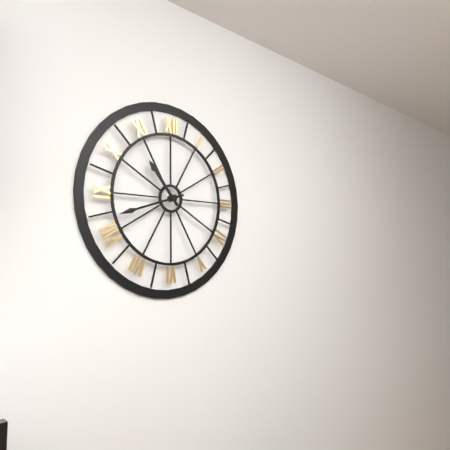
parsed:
10,42
